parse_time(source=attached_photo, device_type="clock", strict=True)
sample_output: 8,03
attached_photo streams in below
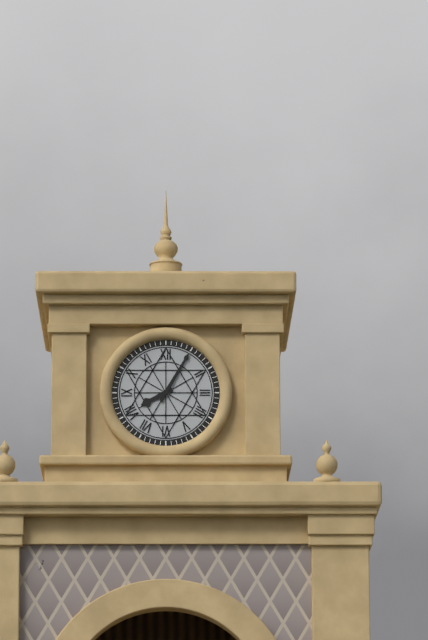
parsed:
8,05
